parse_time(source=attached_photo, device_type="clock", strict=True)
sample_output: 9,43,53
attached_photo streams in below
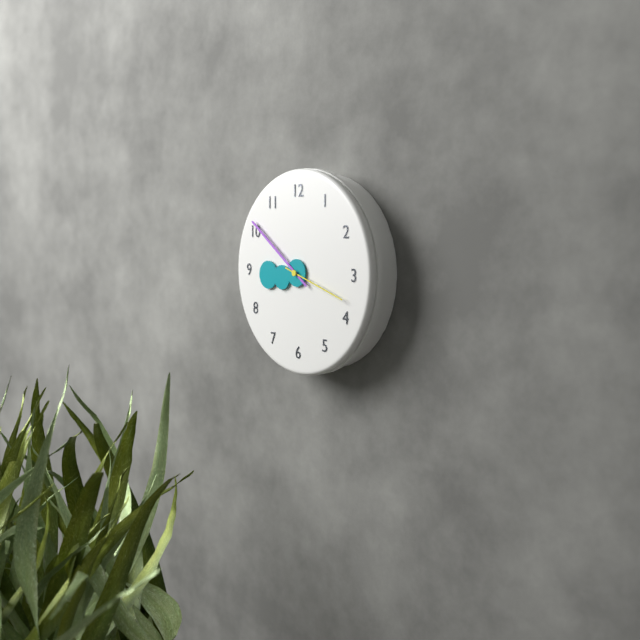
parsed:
8,51,18
